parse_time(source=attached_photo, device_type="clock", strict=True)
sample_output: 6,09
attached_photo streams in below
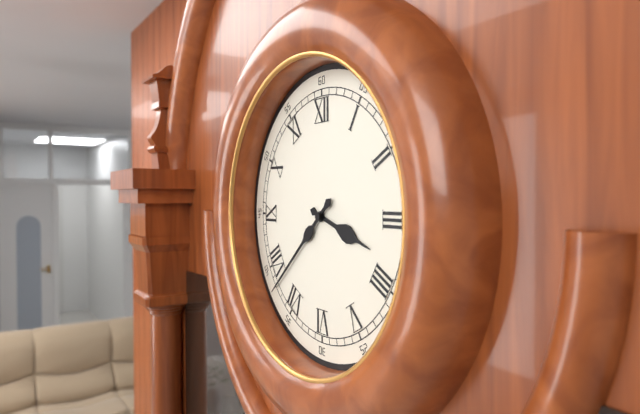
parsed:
3,38
